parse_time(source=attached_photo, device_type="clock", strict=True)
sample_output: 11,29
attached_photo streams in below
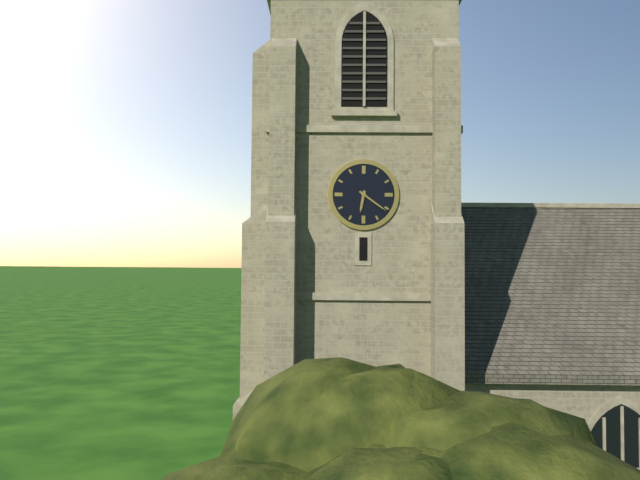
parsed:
6,21
